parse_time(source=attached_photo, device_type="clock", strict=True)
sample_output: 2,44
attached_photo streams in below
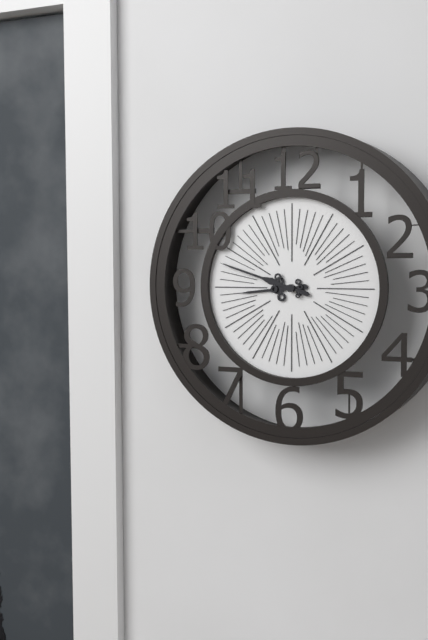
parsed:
8,48
